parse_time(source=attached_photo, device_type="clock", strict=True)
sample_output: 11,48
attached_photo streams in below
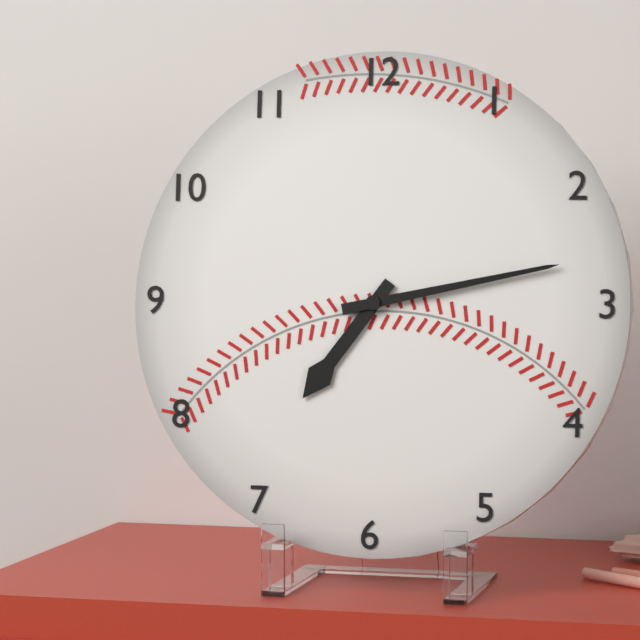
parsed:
7,13
